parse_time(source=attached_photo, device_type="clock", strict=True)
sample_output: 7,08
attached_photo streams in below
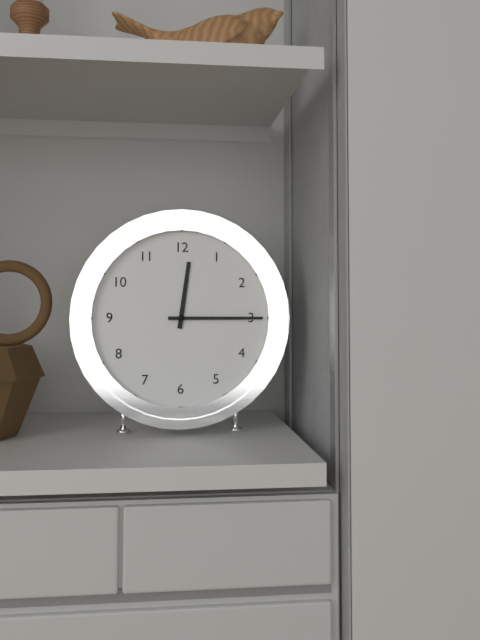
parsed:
12,15
